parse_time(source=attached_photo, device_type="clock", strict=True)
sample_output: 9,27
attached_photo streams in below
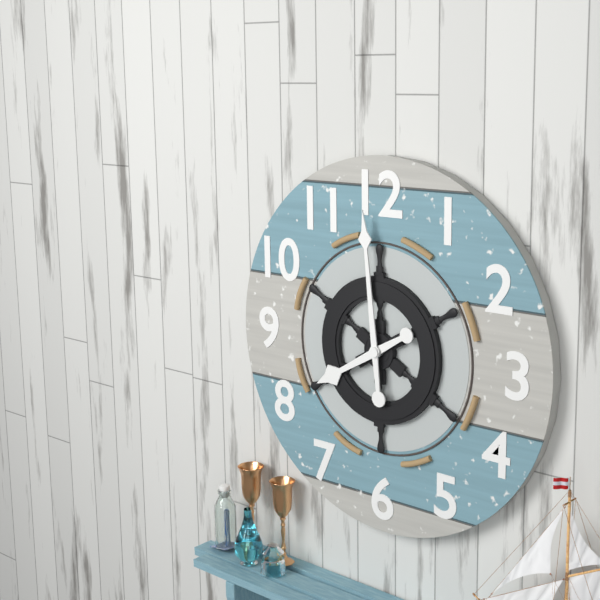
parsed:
7,59
